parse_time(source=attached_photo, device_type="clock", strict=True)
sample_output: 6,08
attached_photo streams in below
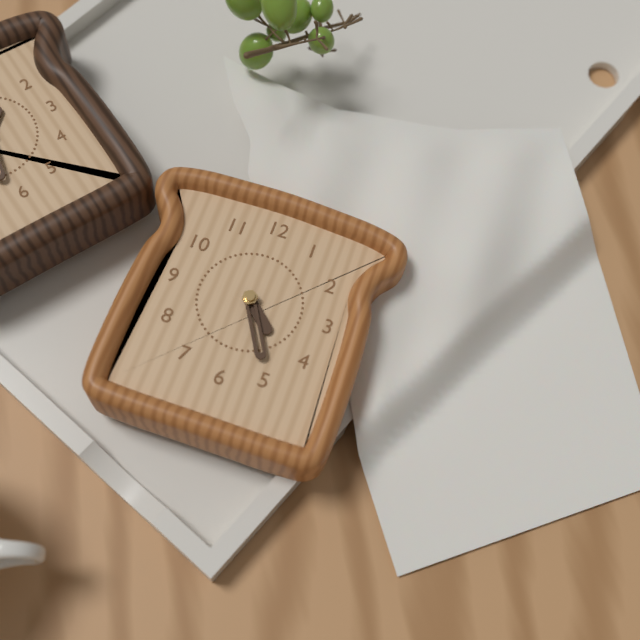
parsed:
4,25
